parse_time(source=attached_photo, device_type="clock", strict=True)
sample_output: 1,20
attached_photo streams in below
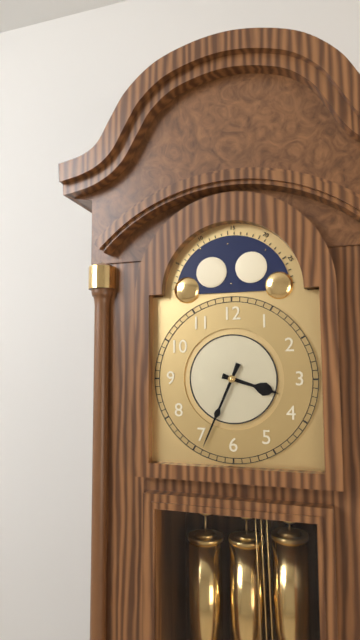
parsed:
3,34
